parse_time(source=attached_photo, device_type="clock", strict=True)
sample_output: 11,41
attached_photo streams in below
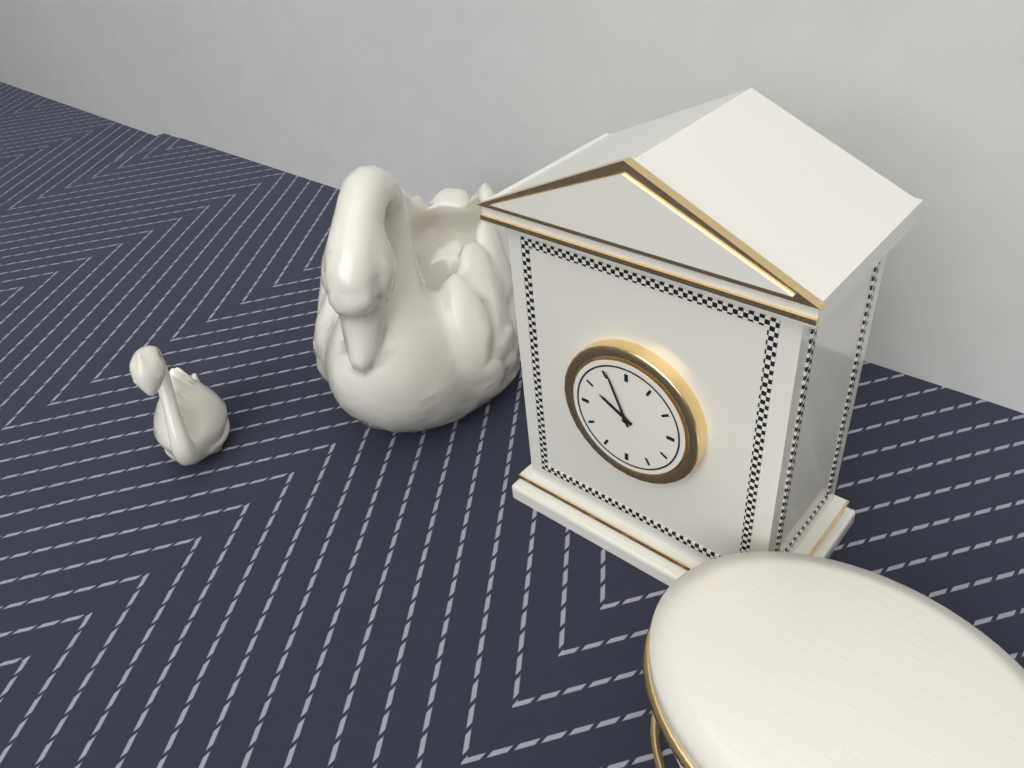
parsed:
9,56
